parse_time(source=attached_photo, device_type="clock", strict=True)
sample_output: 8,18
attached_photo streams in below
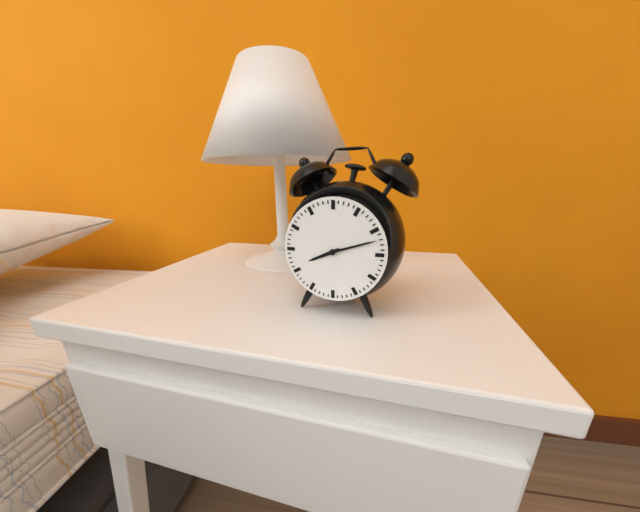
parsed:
8,12
